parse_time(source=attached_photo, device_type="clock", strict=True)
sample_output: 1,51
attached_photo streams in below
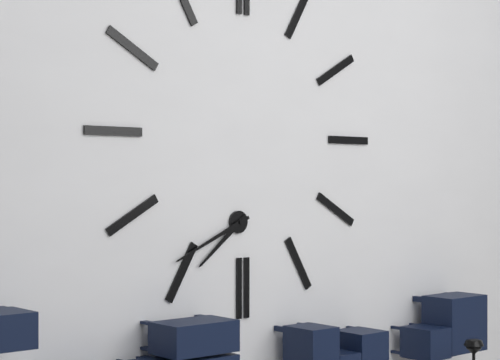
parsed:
7,41
